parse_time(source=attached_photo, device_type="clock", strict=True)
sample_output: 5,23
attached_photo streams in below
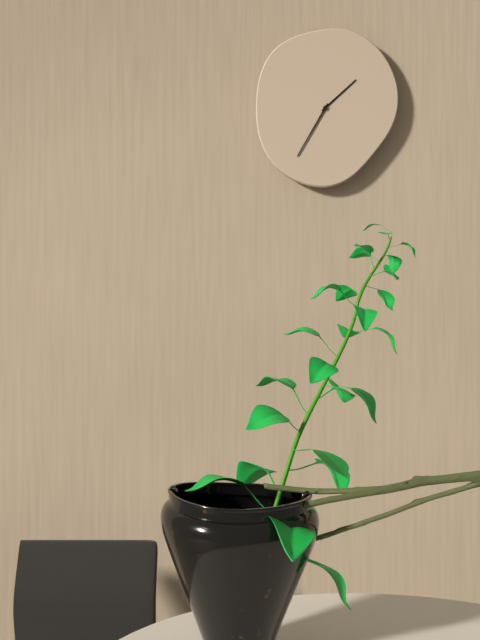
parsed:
1,35
